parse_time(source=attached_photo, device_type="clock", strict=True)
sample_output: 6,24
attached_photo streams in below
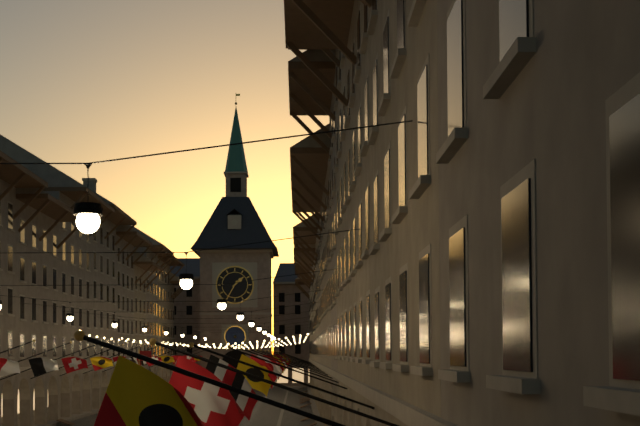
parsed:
1,35
